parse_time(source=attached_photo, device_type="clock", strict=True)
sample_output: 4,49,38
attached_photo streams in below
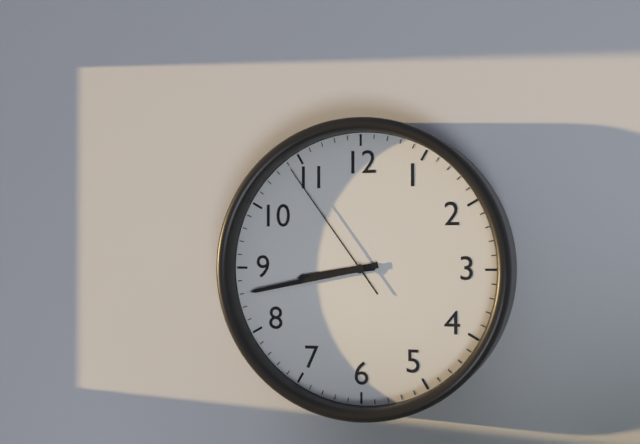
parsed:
8,43,54
